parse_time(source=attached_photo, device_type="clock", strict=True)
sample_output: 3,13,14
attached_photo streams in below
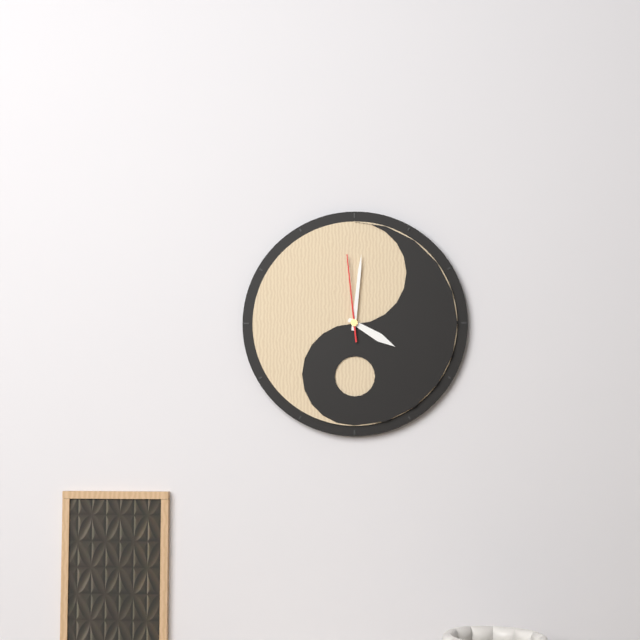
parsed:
4,01,59
